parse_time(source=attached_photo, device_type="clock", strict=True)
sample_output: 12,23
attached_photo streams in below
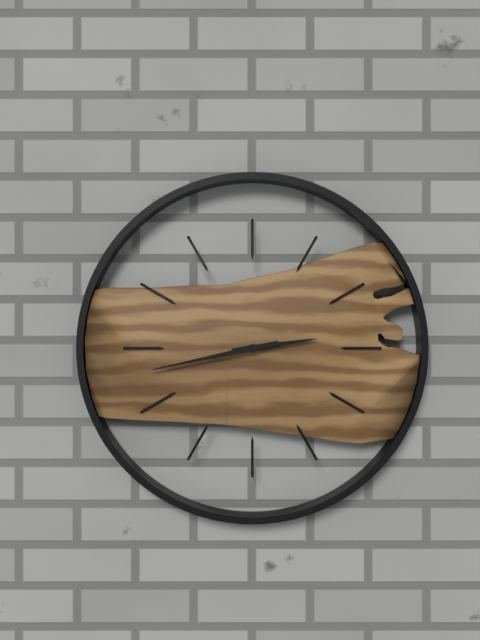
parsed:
2,43
